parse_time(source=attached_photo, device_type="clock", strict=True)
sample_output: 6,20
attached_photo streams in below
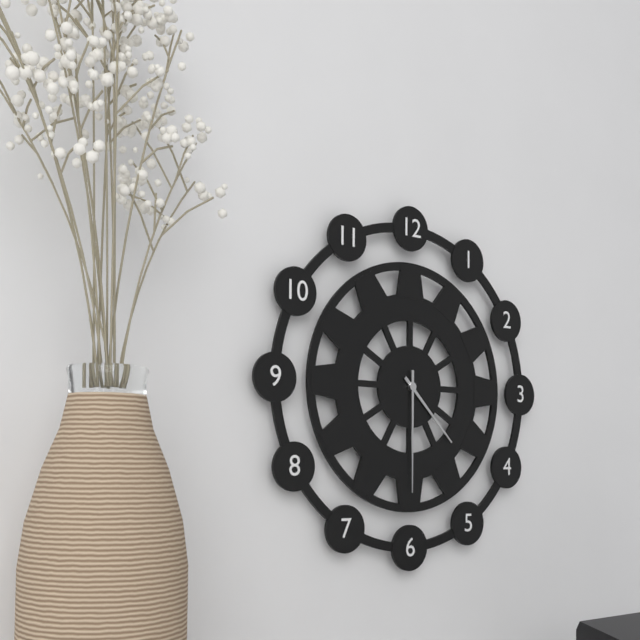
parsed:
4,30
